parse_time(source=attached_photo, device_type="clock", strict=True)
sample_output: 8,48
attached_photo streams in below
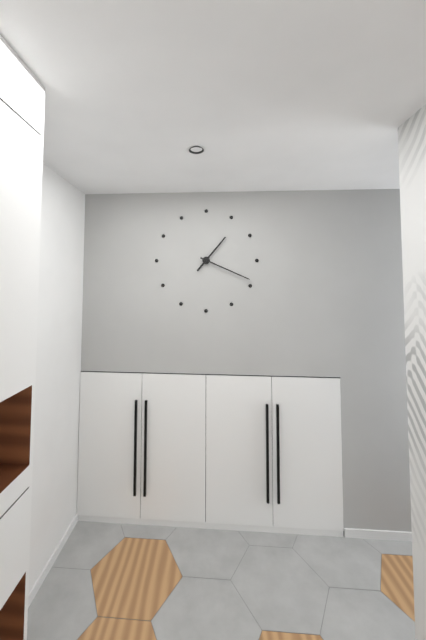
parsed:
1,19
